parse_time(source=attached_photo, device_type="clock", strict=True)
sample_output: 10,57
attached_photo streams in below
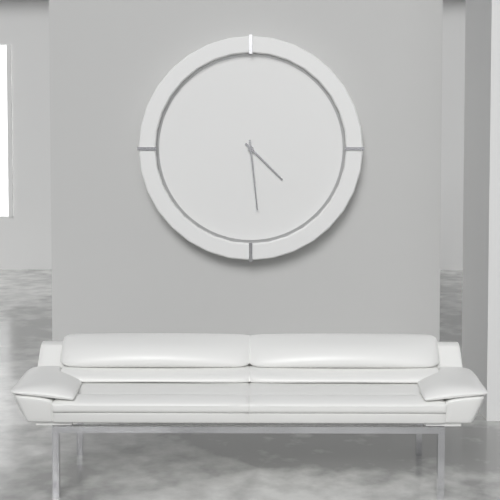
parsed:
4,29
